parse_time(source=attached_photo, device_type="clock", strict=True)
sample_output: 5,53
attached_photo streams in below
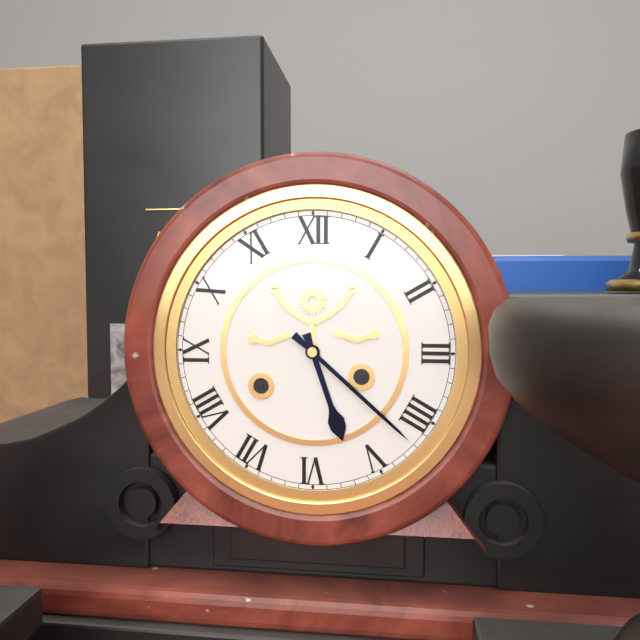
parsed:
5,22
